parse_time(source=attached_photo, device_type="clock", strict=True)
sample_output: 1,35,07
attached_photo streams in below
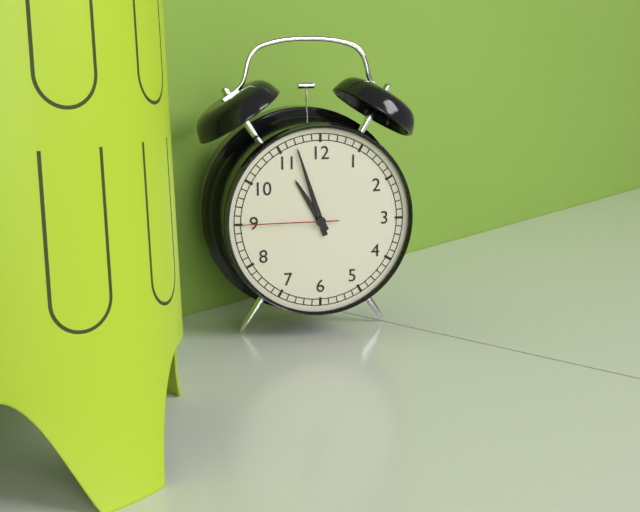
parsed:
10,57,45
